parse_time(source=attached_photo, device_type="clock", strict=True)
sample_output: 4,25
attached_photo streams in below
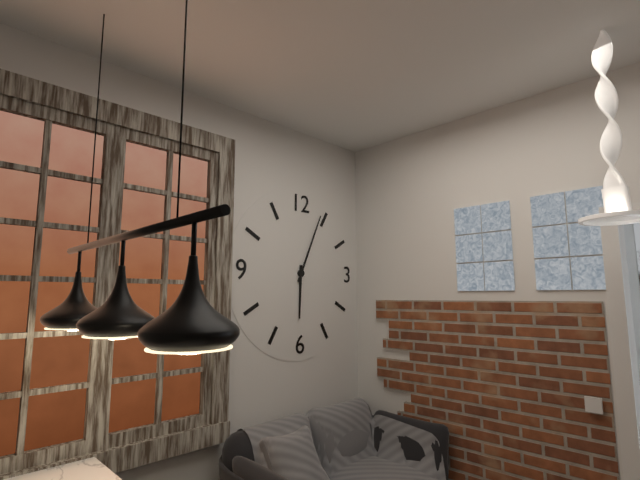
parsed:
6,04
